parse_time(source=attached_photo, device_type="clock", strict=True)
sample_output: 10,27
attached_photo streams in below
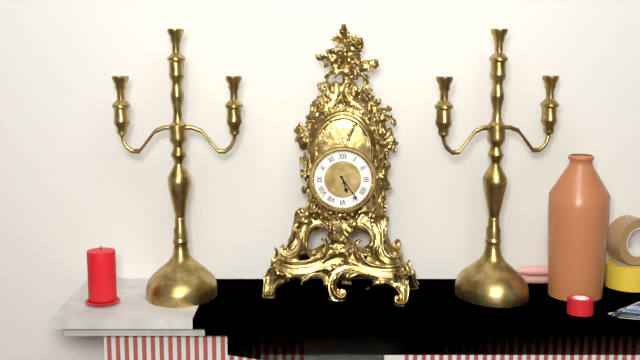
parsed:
5,24
